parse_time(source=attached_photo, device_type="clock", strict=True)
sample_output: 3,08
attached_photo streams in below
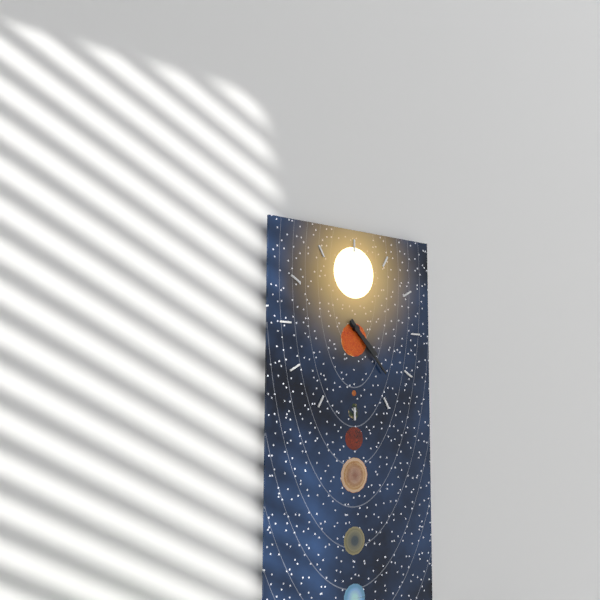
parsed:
4,23
